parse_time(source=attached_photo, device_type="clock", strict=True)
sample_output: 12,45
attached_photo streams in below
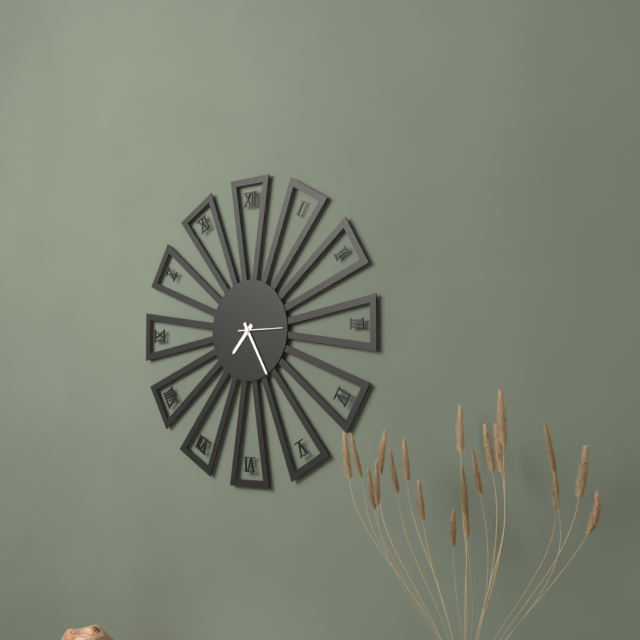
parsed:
7,25
